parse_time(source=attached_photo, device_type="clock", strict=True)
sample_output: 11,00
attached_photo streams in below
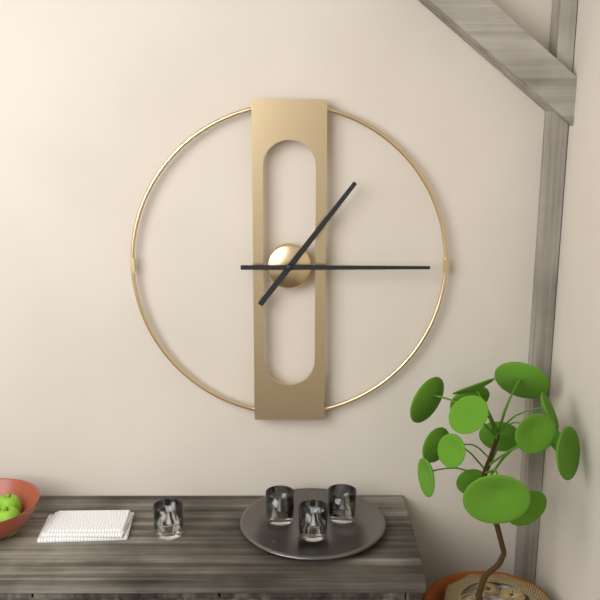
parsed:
1,15
